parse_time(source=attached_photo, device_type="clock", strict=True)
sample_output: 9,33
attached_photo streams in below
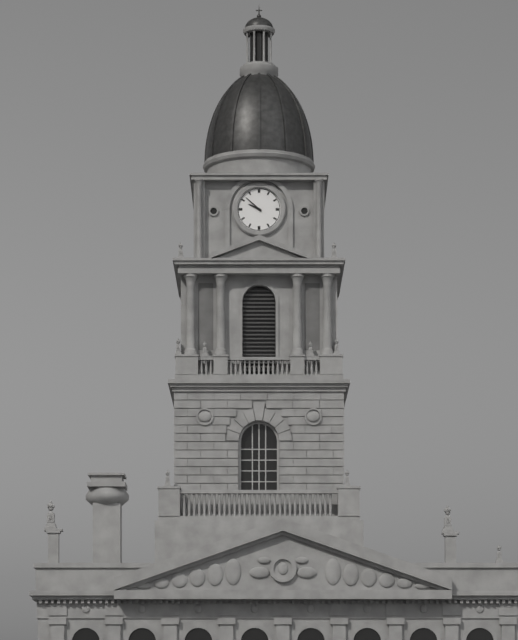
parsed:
9,52
